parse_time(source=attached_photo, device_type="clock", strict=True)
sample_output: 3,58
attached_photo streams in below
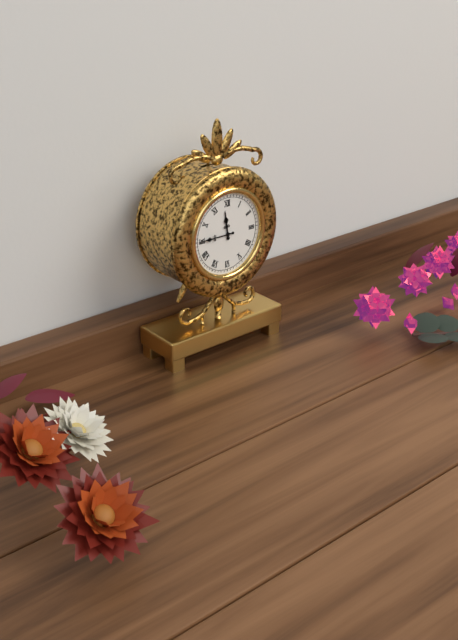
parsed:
11,45
